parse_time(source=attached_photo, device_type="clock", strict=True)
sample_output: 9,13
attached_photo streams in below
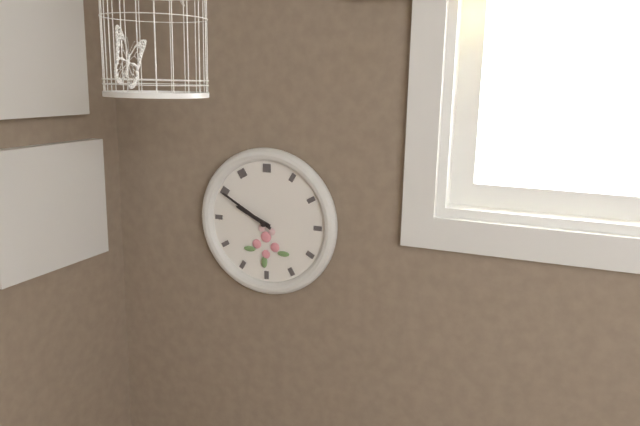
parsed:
9,50
